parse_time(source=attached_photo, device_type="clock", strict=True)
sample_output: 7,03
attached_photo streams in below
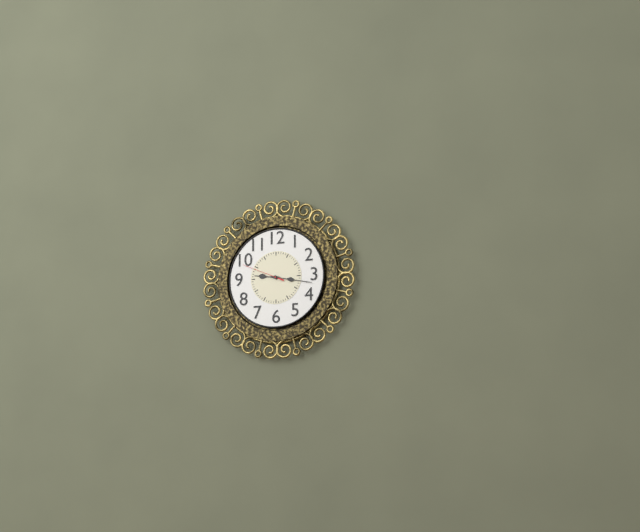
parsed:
9,17
